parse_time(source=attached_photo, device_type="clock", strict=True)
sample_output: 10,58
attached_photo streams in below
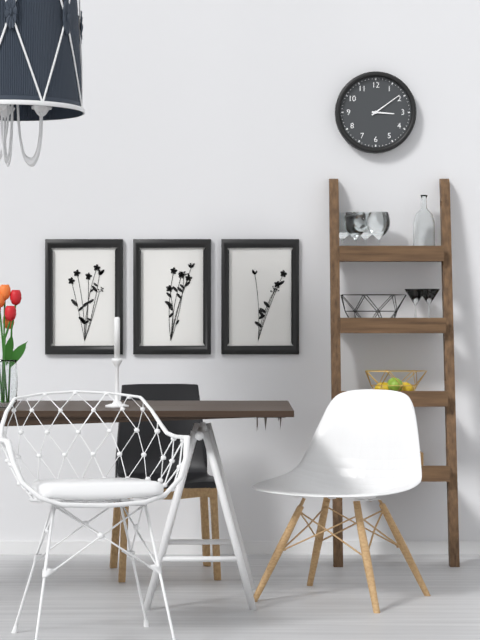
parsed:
3,09
